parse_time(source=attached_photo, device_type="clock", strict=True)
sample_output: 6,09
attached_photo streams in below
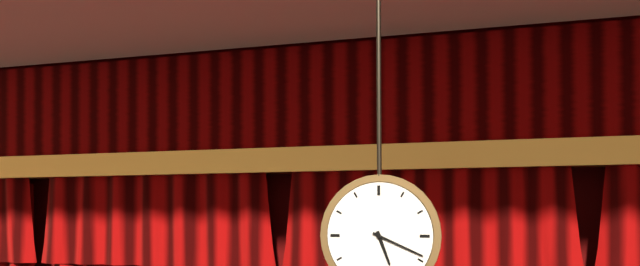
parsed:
5,19
